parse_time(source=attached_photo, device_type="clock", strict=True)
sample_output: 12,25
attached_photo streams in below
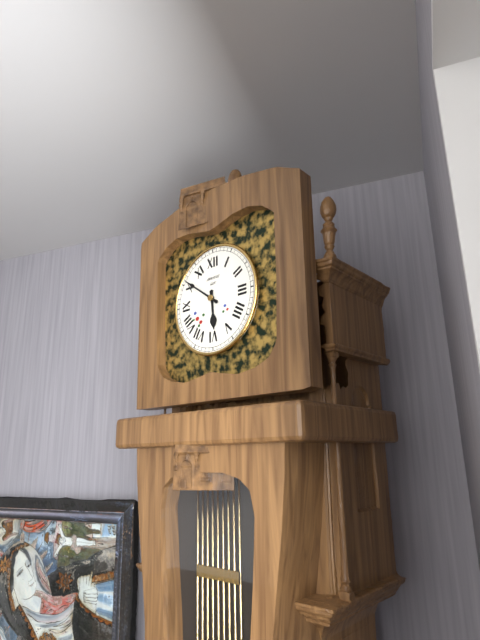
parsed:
5,51
